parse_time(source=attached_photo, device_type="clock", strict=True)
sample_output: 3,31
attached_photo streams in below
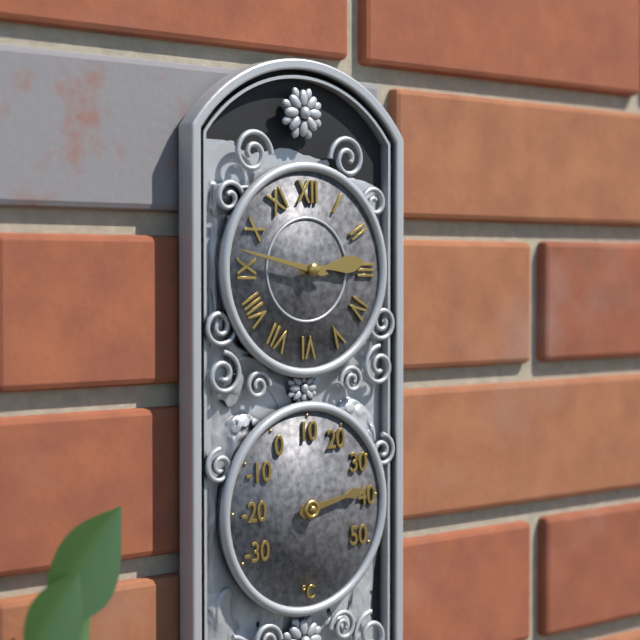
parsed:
2,47
